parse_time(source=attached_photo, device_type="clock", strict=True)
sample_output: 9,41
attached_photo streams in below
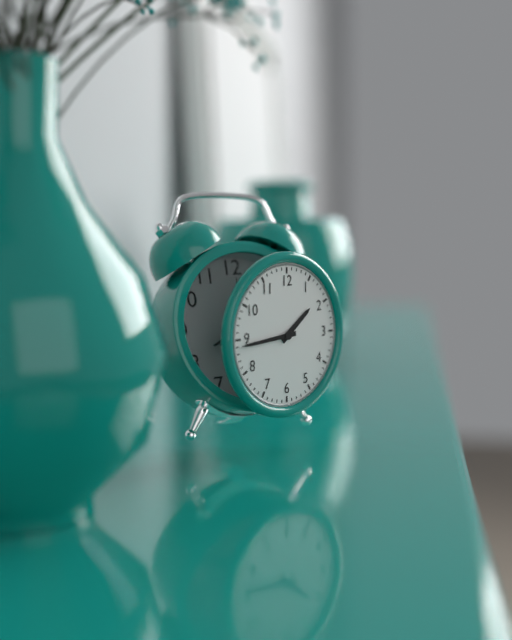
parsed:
1,44
